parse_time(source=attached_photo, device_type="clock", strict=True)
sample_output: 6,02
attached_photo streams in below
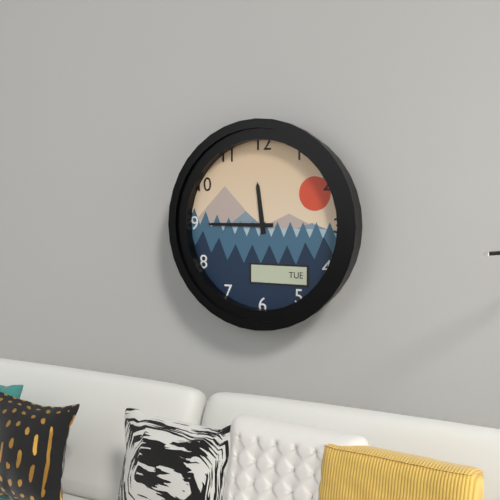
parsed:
11,45
